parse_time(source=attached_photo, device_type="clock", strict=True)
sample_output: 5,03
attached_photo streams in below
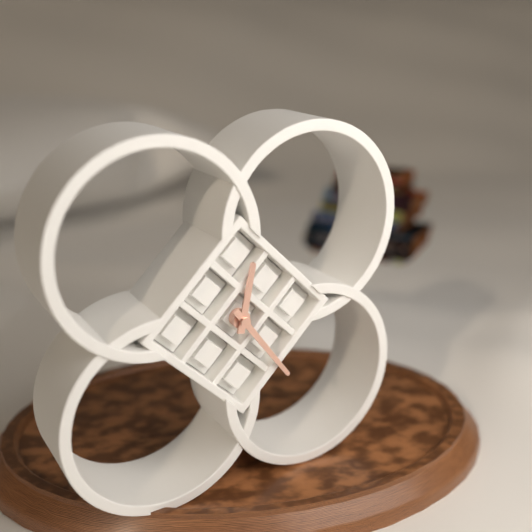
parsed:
12,24
